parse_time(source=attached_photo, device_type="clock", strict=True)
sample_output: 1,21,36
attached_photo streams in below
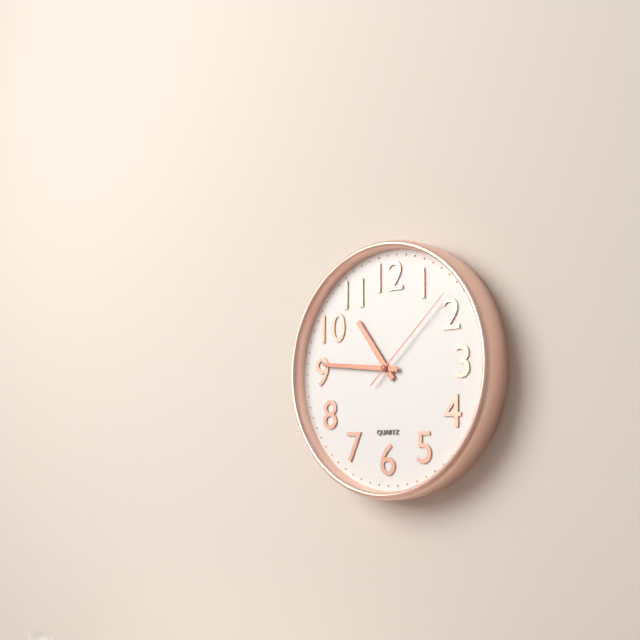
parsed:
10,46,08
